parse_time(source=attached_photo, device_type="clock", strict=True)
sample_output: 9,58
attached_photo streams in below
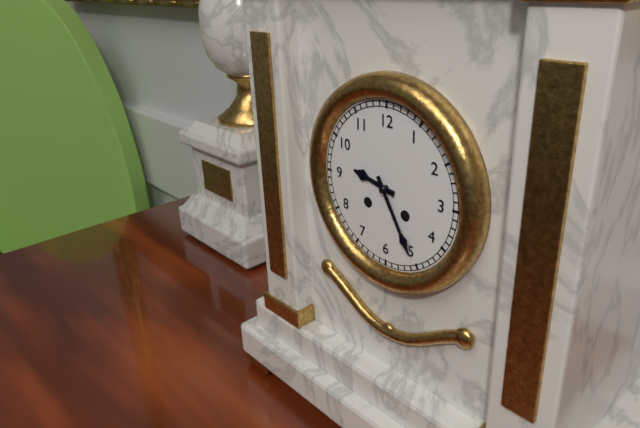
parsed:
9,25
